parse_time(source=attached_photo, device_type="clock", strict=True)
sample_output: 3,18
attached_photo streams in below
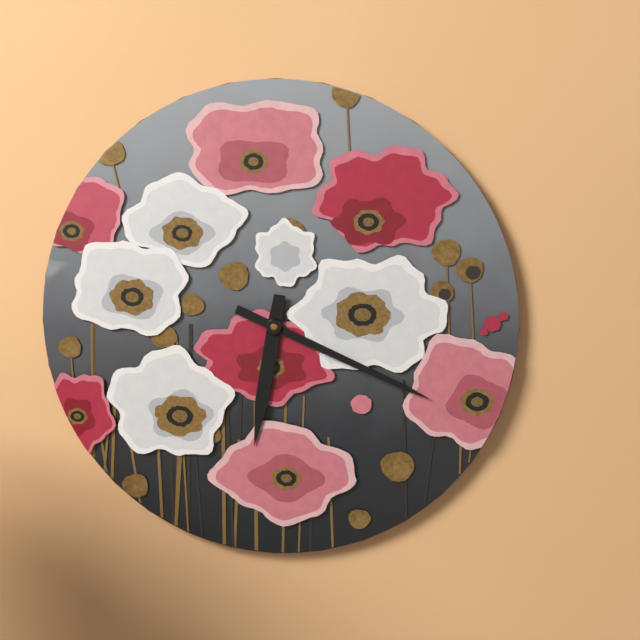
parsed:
6,19
